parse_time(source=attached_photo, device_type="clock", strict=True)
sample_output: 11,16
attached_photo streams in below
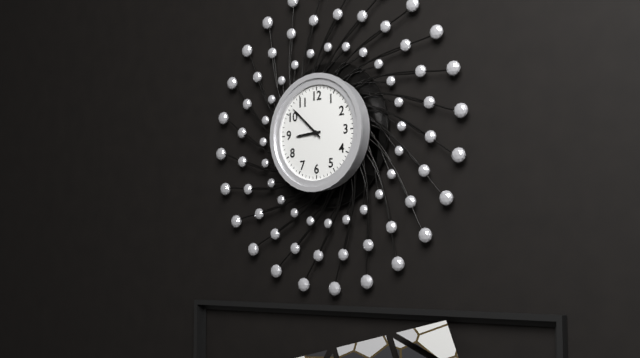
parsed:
8,52
